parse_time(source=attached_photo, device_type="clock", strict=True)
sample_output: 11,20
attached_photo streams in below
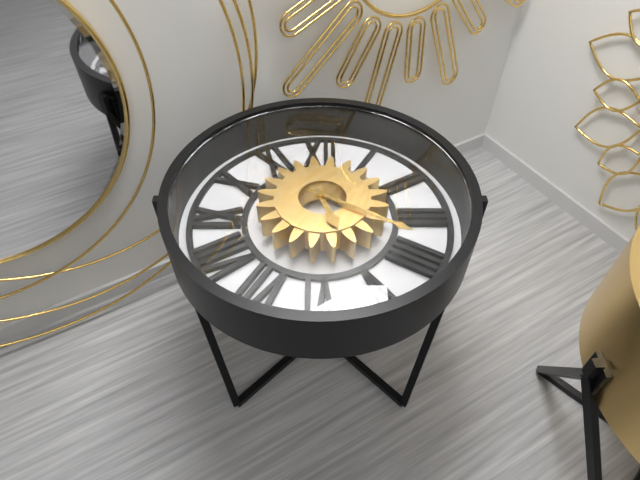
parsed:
5,20
